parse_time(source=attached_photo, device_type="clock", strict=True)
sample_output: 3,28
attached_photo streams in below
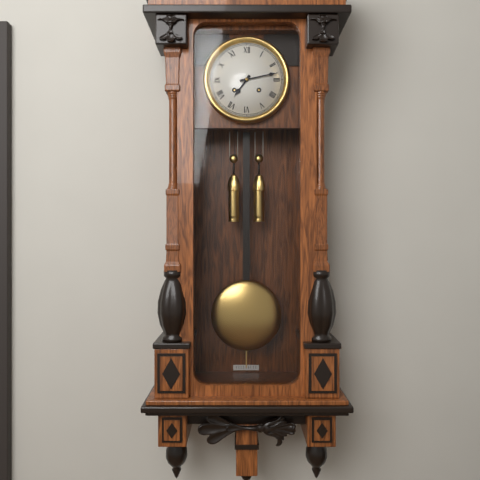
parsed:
7,13
